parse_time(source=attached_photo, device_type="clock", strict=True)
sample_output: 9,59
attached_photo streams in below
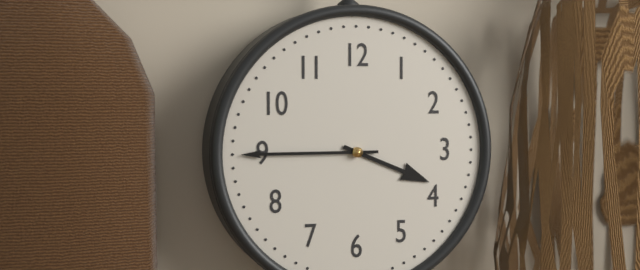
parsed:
3,45
